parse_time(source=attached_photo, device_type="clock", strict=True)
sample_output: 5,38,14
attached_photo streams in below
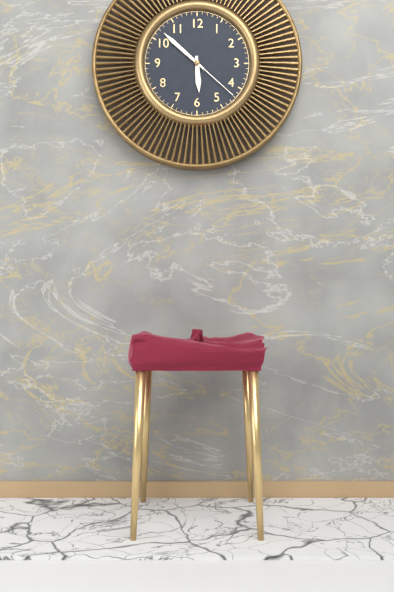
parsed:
5,52,22
